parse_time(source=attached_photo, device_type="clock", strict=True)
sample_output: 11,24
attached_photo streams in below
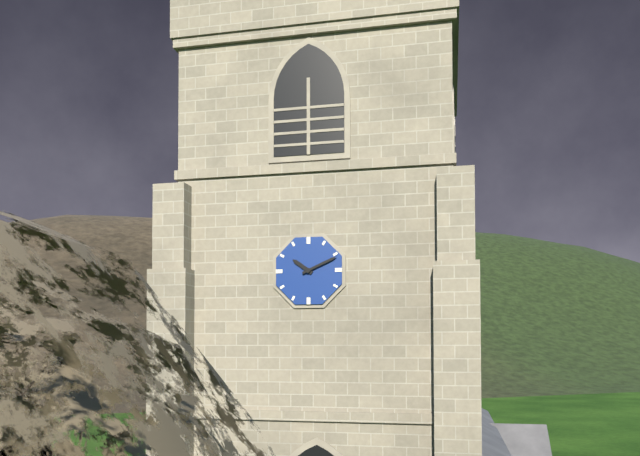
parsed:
10,11
